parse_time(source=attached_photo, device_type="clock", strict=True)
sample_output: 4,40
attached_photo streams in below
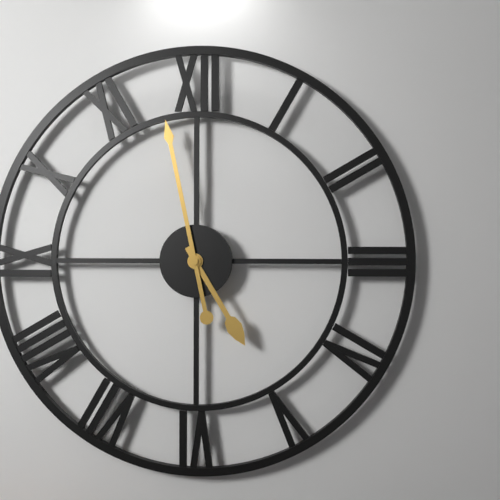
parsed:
4,58
